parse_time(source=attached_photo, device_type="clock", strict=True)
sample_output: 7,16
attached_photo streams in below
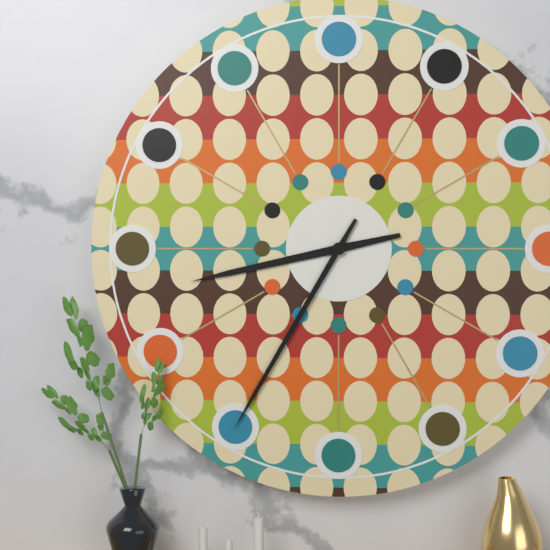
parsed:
8,35
